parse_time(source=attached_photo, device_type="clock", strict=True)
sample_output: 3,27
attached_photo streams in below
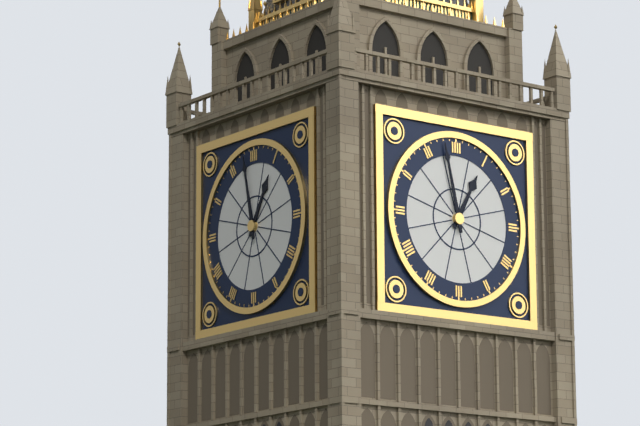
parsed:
12,58
